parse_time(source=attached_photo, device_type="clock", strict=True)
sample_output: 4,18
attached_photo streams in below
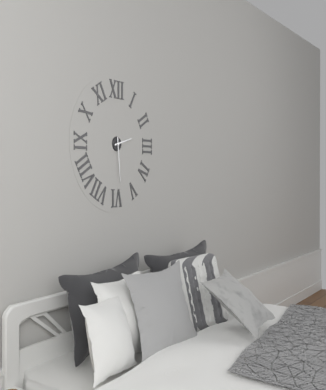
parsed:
2,29
